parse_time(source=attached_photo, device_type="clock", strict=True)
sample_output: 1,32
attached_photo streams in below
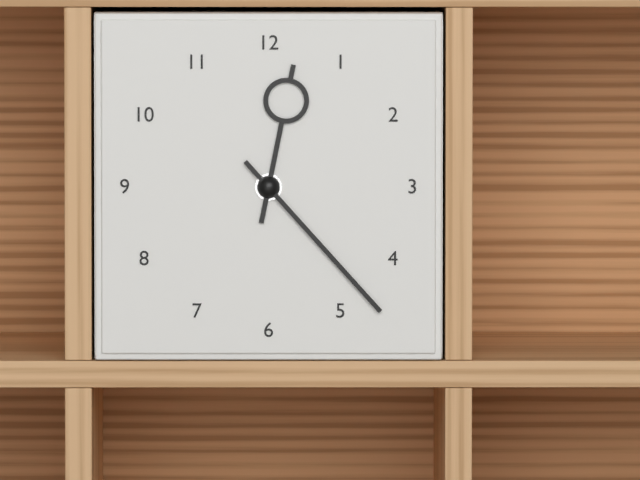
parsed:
12,23
